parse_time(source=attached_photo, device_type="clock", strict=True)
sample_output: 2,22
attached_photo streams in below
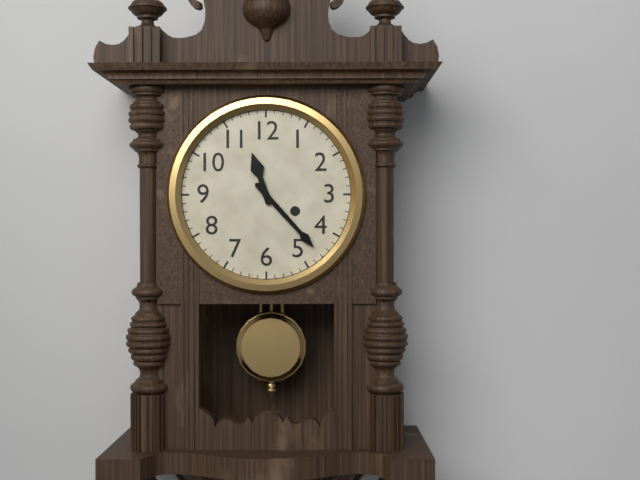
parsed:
11,23
